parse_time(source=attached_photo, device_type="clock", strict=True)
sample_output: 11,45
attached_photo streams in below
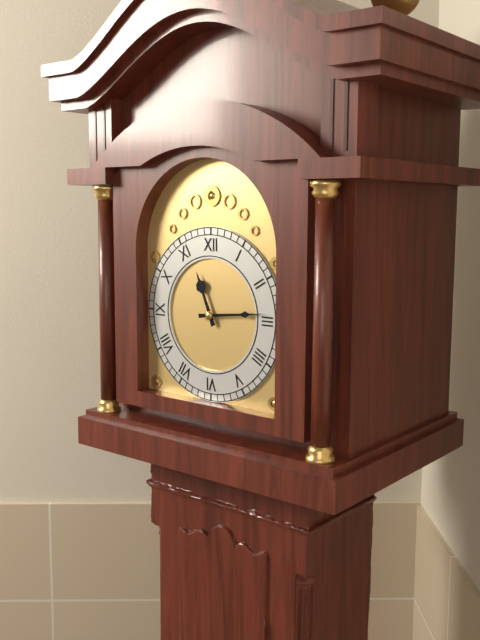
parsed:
11,14
